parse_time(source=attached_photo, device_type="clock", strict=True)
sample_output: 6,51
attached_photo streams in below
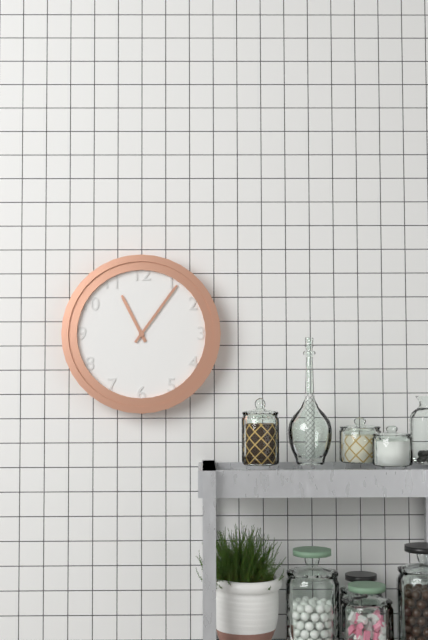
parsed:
11,06
